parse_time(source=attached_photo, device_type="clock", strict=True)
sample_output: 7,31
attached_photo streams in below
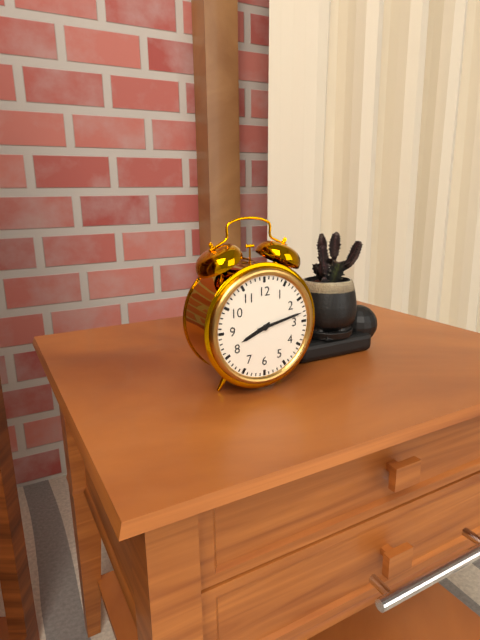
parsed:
8,13
